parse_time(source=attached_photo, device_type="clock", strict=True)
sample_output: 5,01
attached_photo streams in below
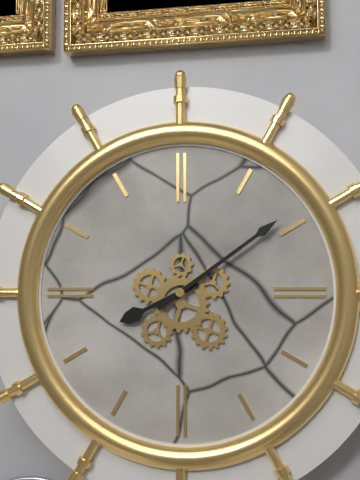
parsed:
8,09
